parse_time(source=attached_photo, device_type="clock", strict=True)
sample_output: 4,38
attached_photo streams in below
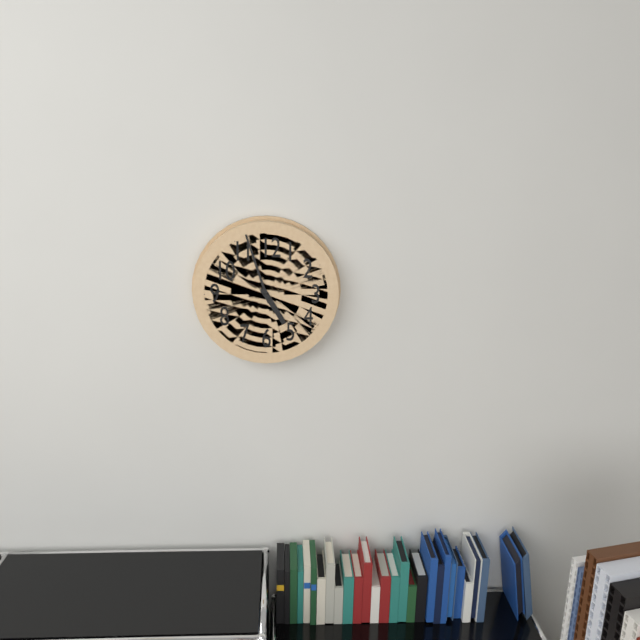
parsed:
4,57
